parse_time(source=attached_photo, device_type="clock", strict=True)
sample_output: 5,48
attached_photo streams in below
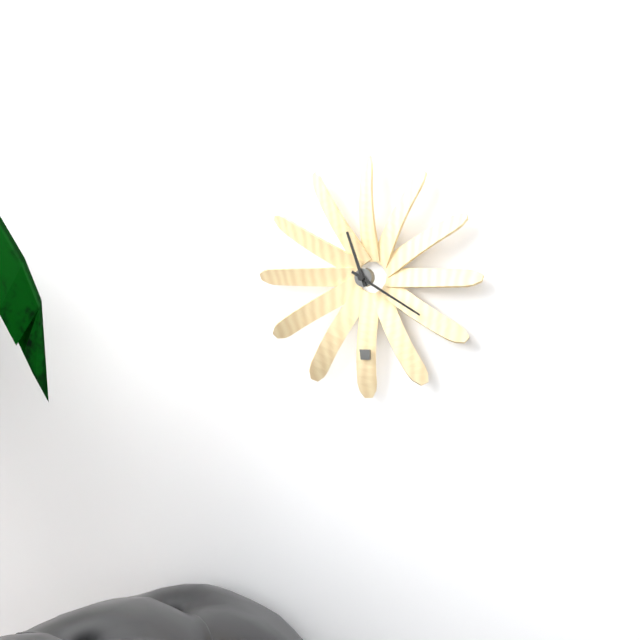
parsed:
11,20
